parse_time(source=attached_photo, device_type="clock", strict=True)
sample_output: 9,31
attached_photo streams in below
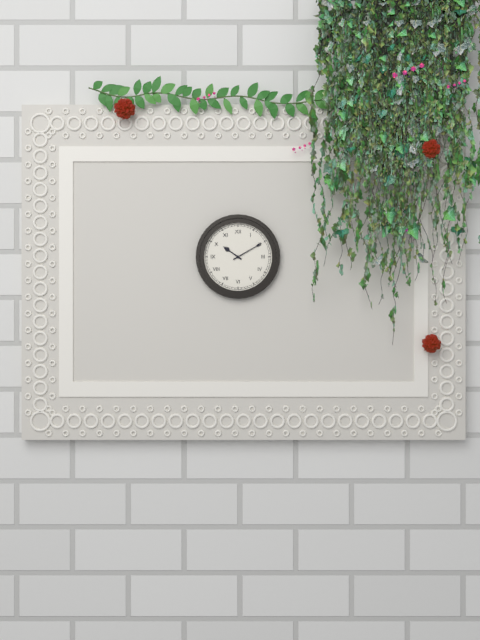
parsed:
10,10
